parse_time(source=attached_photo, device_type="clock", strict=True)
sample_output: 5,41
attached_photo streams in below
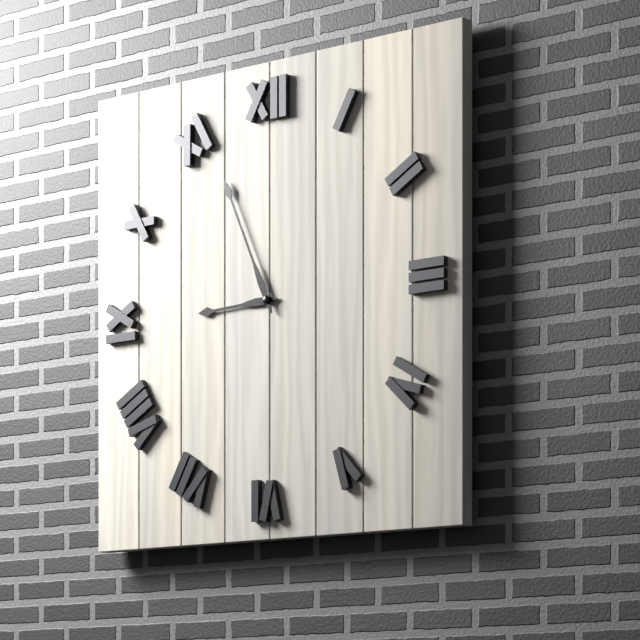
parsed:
8,56
